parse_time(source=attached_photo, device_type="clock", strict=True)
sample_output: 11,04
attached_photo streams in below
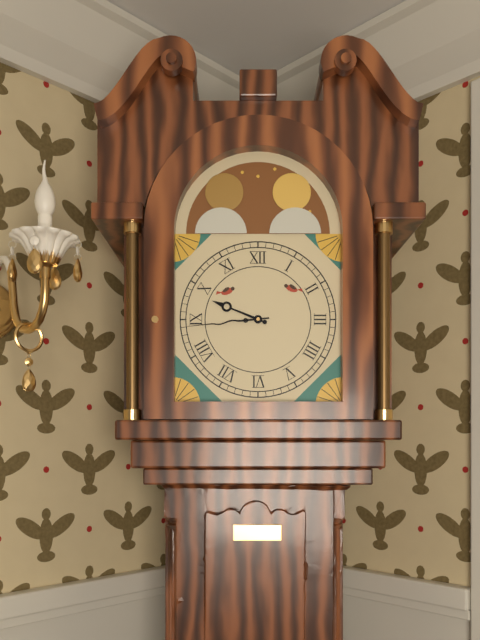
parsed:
9,44
